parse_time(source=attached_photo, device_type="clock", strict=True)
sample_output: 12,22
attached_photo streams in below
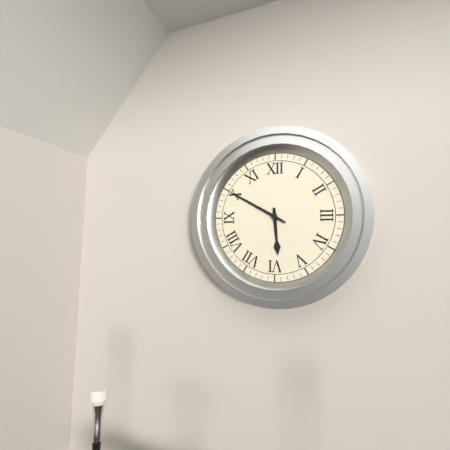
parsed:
5,50
